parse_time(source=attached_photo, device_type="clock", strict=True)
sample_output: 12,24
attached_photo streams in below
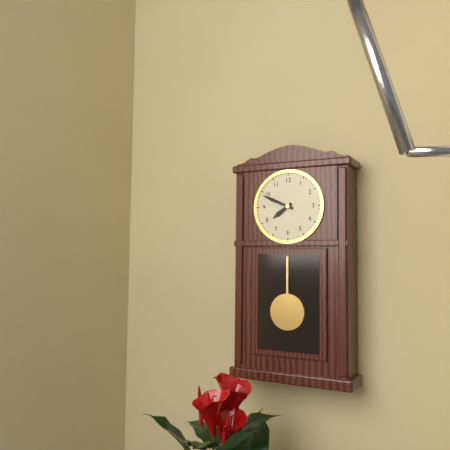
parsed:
7,49
